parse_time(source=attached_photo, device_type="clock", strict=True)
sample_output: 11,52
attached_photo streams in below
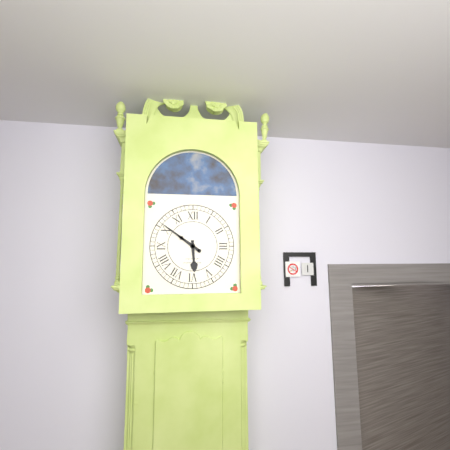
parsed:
5,51
